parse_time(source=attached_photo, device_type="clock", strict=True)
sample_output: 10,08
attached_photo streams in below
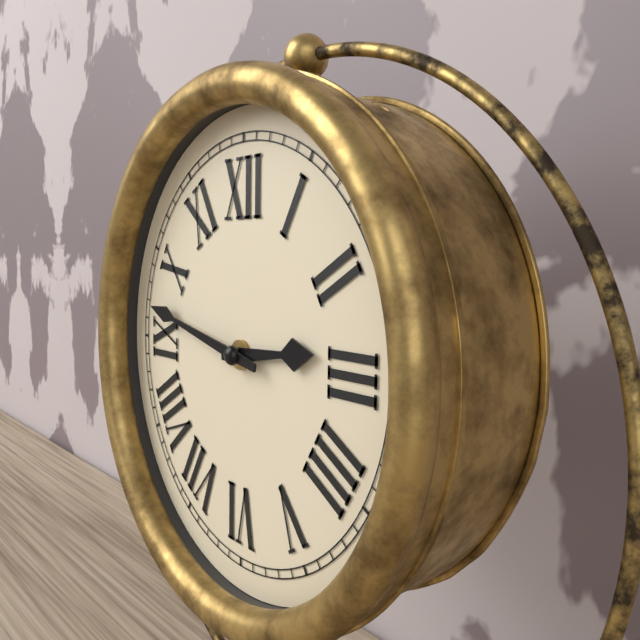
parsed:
2,47
